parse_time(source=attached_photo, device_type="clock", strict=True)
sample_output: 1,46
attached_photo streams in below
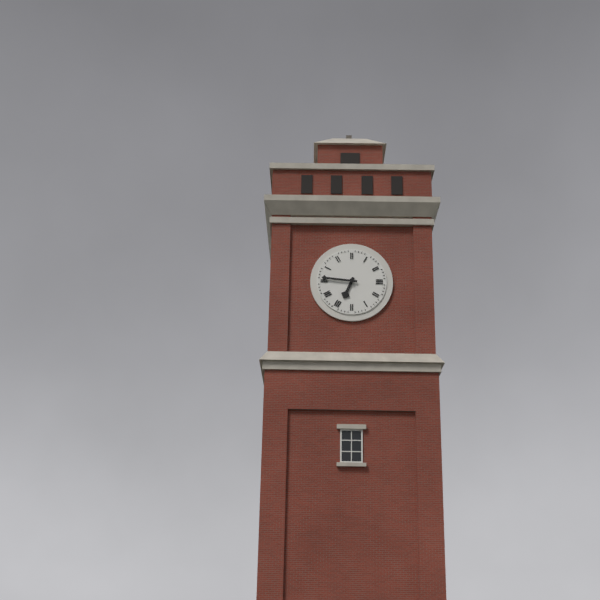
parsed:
6,46
